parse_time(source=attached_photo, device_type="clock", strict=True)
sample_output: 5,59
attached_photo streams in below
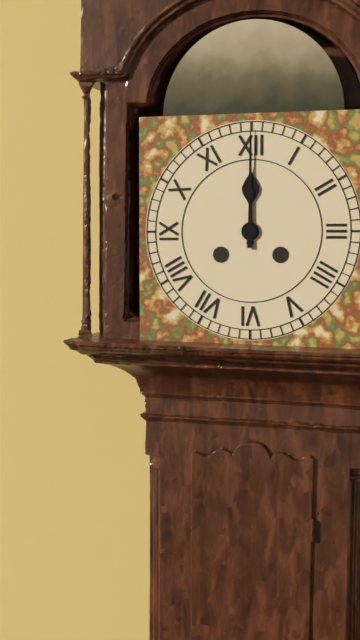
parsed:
12,00
